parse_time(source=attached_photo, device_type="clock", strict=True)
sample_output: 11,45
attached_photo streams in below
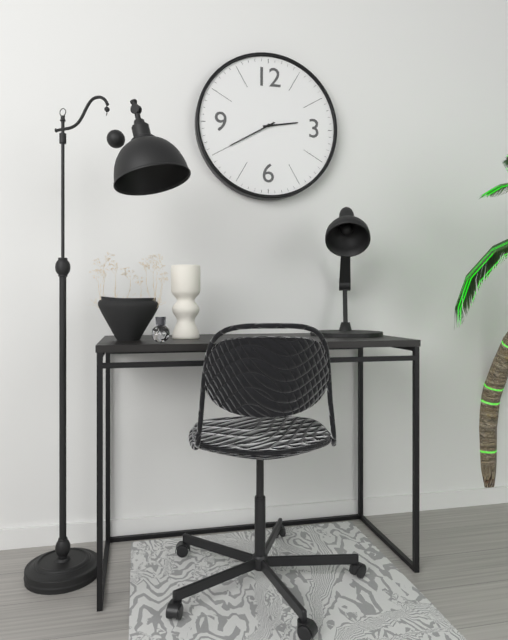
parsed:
2,40
